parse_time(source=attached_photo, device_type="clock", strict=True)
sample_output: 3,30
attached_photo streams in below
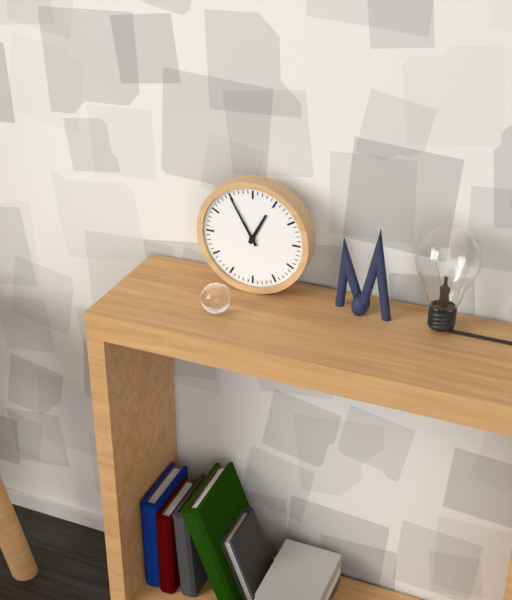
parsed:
12,55
